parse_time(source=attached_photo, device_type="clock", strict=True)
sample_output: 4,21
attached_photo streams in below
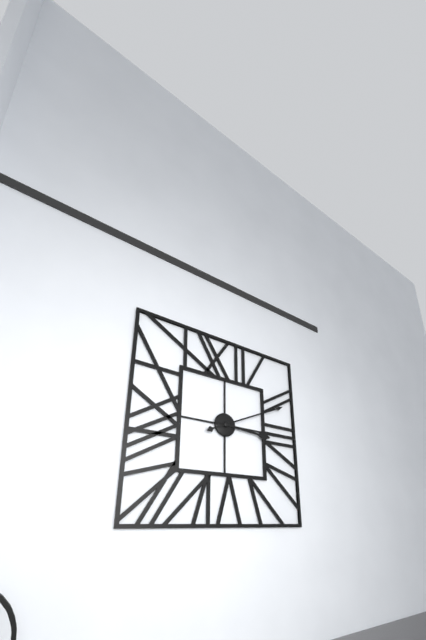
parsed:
3,11
